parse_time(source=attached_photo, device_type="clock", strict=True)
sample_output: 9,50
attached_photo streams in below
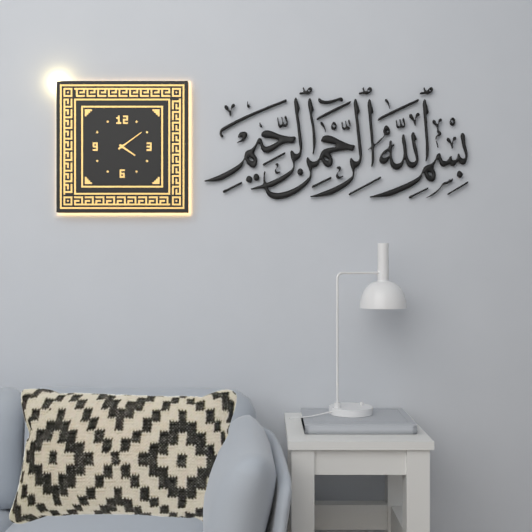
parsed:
4,09
